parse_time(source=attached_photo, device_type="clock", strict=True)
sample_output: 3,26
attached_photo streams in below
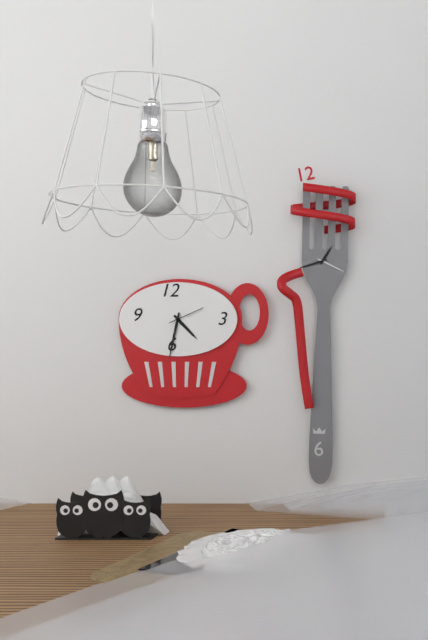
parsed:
4,32
